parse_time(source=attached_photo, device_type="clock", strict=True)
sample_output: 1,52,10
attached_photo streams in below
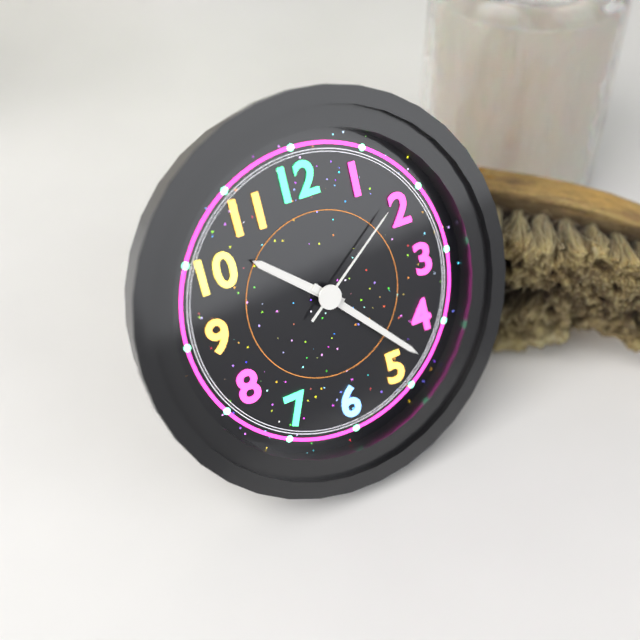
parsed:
10,23,09
